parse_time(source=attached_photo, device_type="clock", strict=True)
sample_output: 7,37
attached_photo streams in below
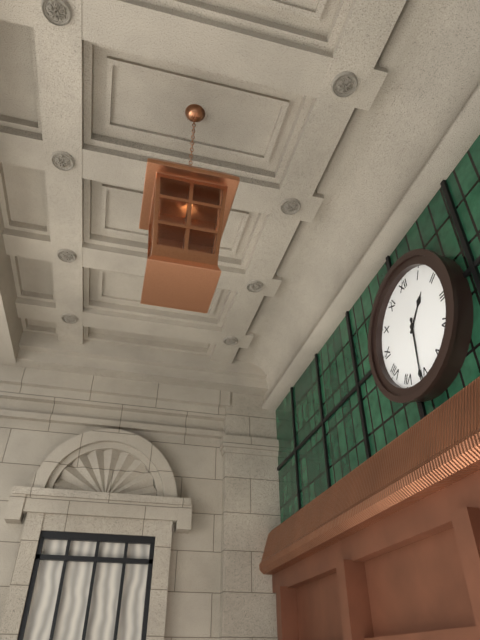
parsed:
1,31
